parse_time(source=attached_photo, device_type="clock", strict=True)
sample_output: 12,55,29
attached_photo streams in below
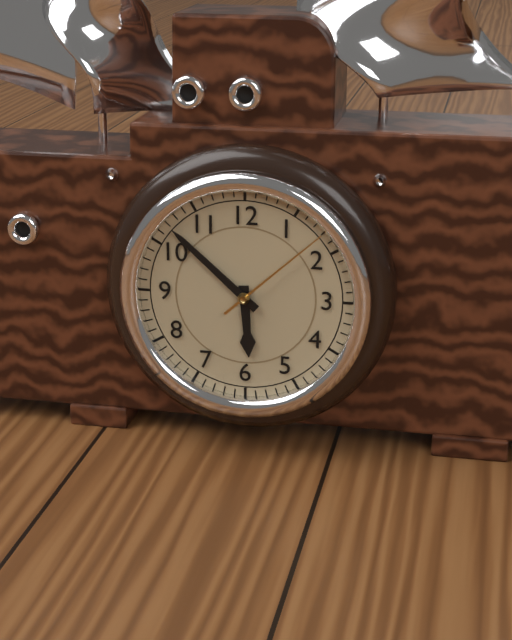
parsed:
5,52,08
